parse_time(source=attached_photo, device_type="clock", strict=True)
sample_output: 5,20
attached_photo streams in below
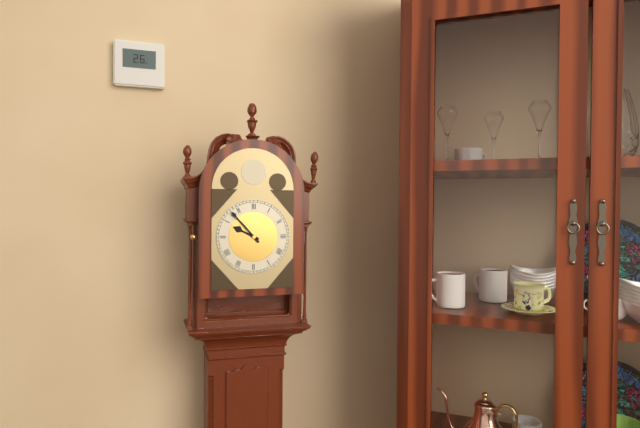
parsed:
9,53
